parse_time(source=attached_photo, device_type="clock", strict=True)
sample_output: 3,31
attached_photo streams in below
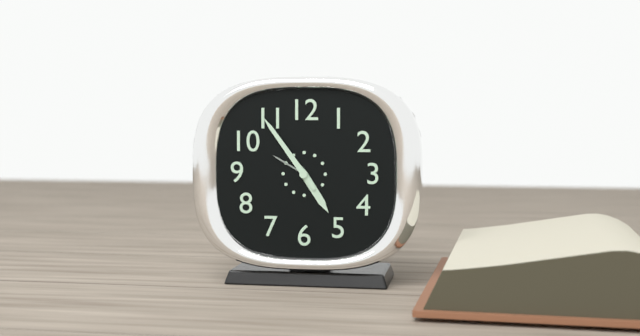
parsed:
4,54
